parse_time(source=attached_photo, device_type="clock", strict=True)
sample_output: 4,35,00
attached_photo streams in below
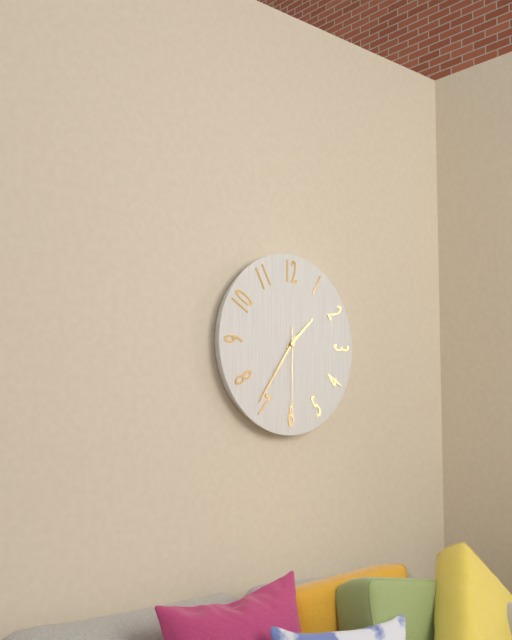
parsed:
1,36,30
